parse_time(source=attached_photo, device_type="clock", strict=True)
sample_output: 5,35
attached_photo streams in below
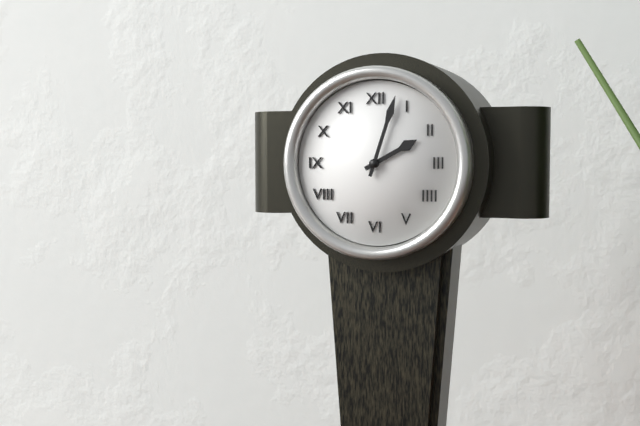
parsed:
2,03
